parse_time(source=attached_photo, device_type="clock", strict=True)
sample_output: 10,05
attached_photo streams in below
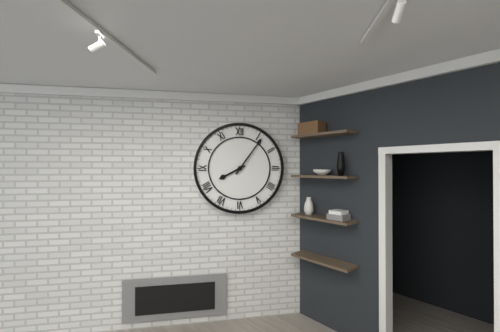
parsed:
8,06
